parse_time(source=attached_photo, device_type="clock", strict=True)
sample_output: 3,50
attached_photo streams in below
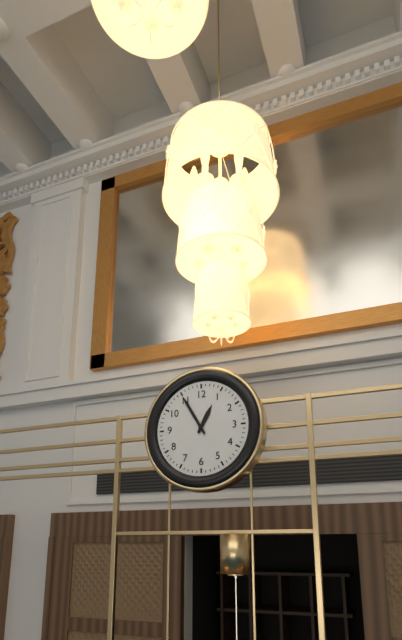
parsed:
12,55
